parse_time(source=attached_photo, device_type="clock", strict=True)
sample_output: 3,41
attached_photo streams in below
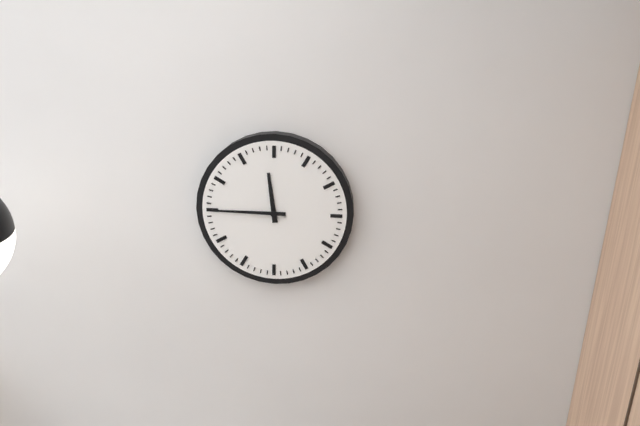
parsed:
11,45
